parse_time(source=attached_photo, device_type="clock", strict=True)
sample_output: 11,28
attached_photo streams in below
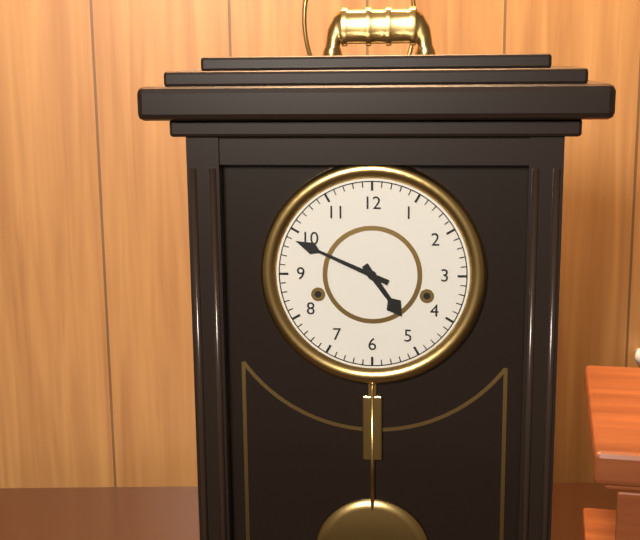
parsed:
4,49
